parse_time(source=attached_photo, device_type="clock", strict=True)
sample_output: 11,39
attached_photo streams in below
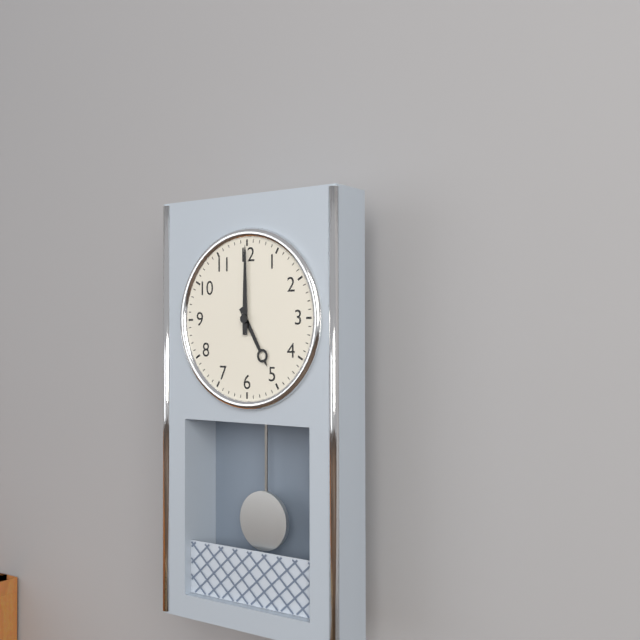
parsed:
5,00
